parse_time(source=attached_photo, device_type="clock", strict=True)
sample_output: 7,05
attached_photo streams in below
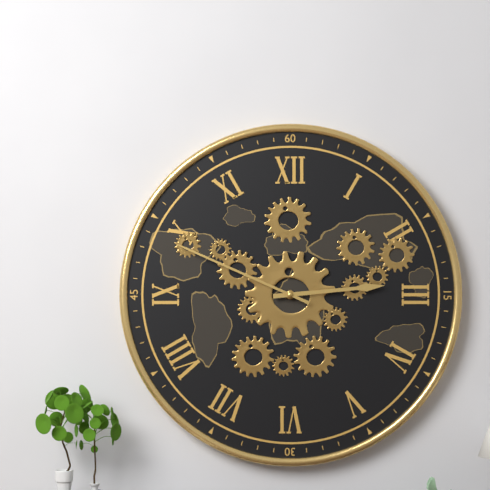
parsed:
2,49
